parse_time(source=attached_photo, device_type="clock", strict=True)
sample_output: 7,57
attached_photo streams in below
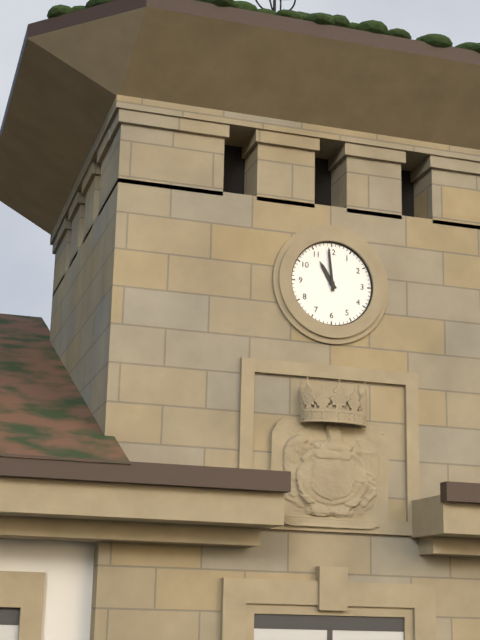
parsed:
10,59
